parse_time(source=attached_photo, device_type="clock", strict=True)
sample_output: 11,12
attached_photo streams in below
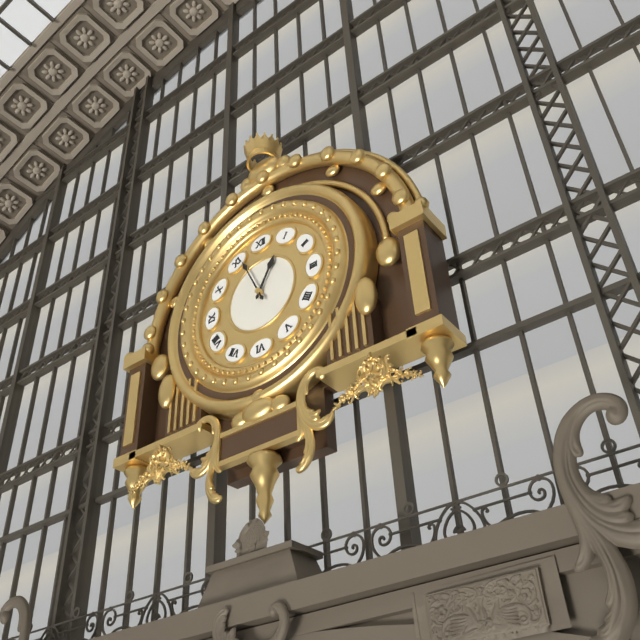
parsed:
12,56
